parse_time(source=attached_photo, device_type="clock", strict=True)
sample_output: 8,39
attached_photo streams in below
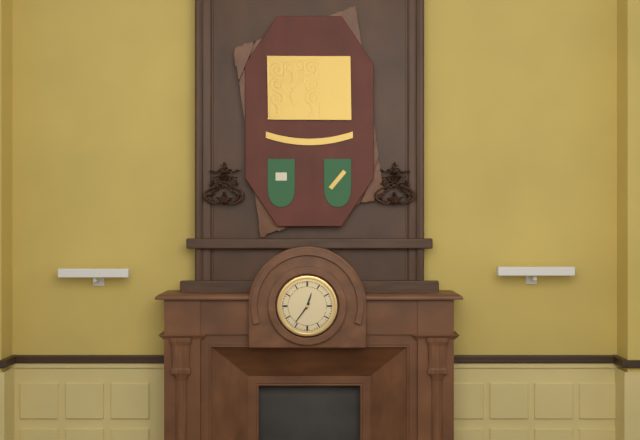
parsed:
12,36
